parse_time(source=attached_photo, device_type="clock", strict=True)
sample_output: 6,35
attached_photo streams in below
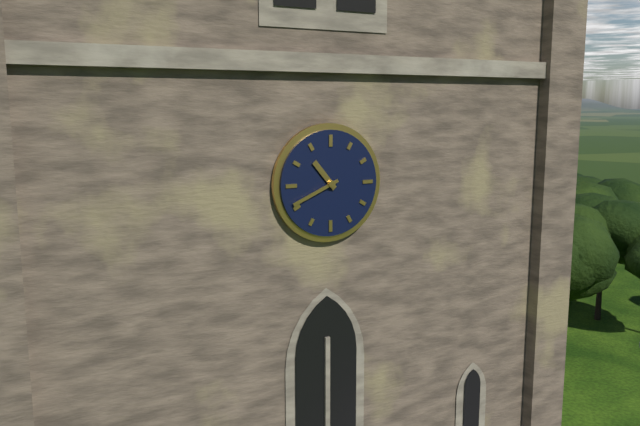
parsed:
10,41
